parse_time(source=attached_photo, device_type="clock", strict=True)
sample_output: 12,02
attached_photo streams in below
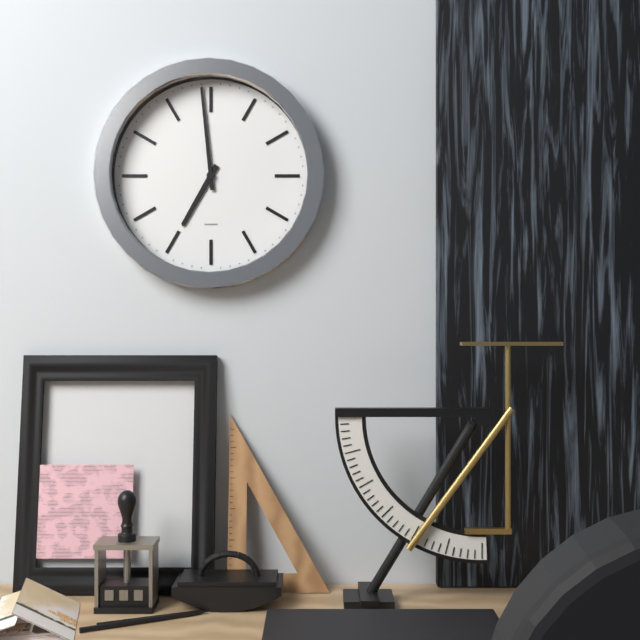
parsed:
6,59
